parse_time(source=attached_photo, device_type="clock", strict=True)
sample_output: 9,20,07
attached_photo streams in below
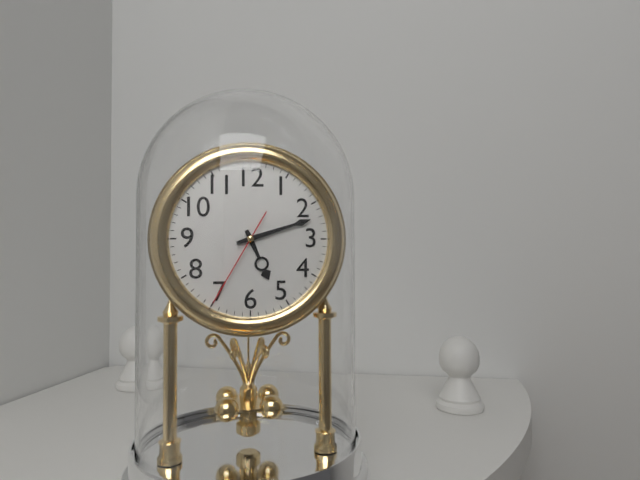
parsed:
5,12,35
